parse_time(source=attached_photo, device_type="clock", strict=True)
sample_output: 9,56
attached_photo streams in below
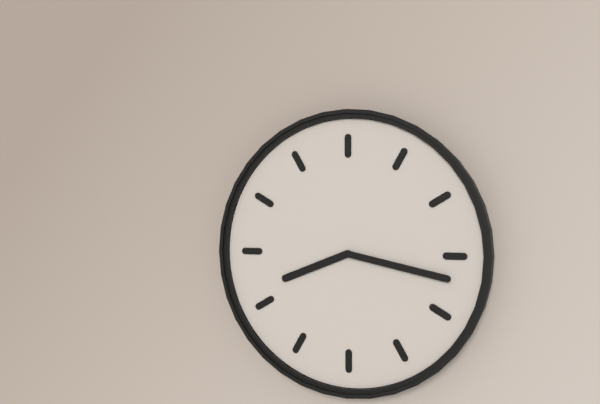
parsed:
8,17
